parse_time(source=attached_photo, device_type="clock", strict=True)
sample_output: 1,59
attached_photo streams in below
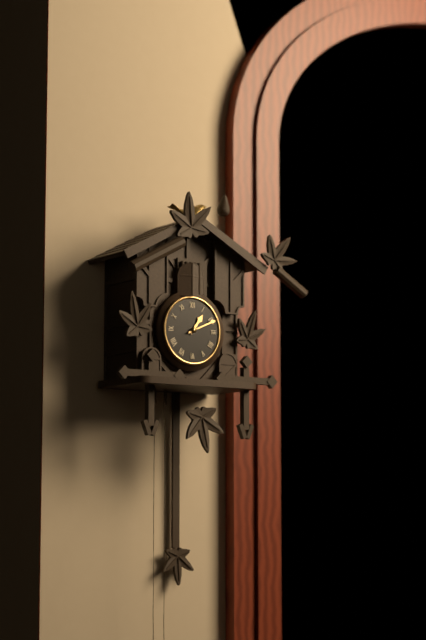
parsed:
1,11
